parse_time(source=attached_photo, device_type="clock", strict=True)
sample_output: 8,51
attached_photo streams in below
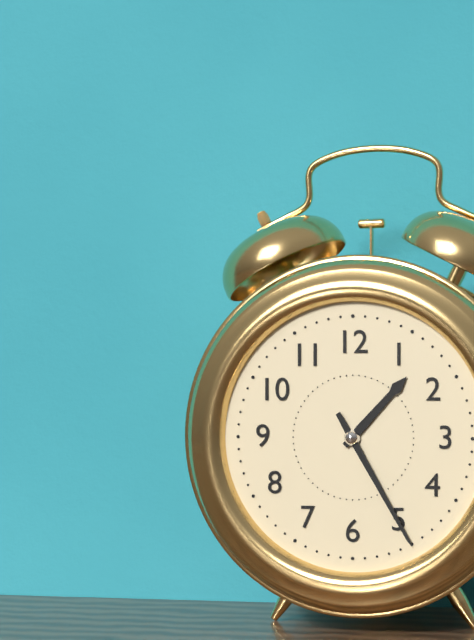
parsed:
1,25
